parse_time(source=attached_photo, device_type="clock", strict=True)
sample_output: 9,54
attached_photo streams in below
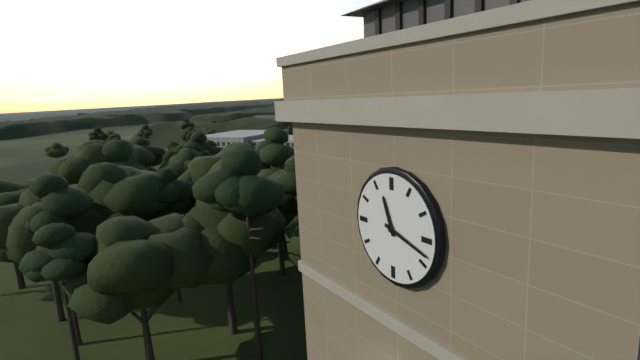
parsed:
11,18
